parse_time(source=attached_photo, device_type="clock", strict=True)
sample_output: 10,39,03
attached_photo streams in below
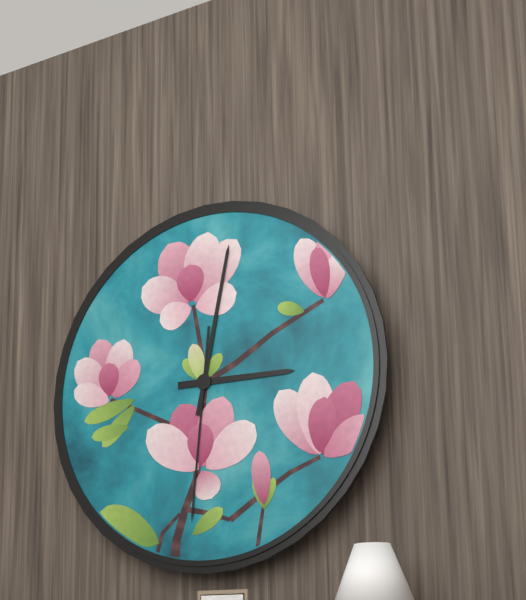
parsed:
3,02,31
